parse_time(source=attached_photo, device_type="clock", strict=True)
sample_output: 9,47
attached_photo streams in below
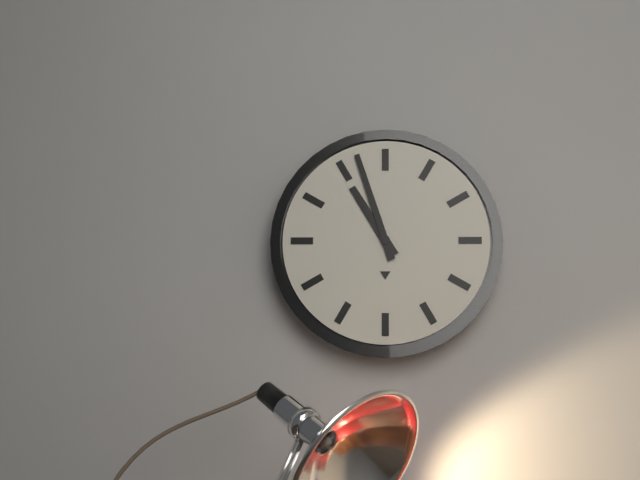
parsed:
10,57
